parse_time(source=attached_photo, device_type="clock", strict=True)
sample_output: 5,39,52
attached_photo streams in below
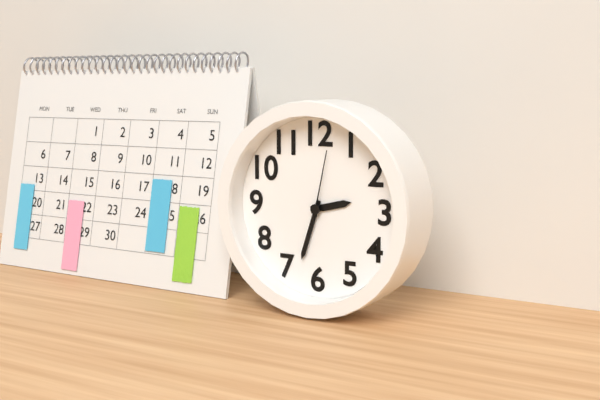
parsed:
2,33,02
